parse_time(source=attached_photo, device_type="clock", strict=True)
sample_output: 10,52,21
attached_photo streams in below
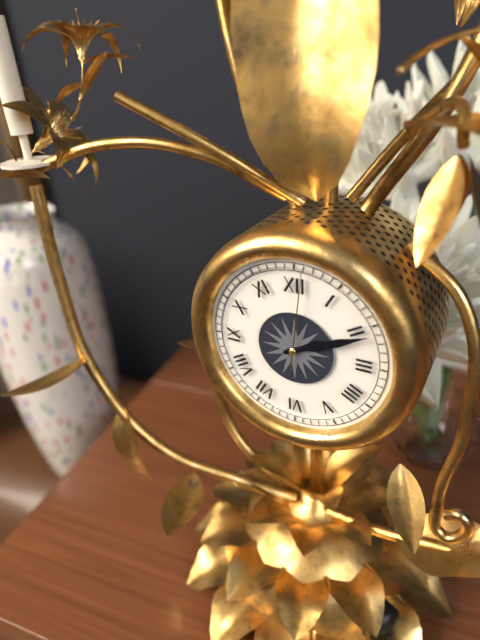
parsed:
2,11,01
